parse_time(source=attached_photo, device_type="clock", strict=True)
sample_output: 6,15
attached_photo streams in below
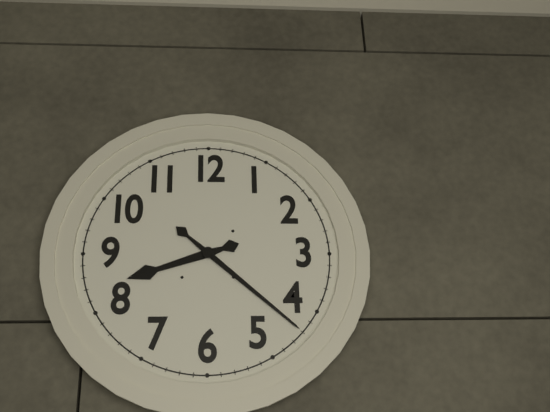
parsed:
8,22
